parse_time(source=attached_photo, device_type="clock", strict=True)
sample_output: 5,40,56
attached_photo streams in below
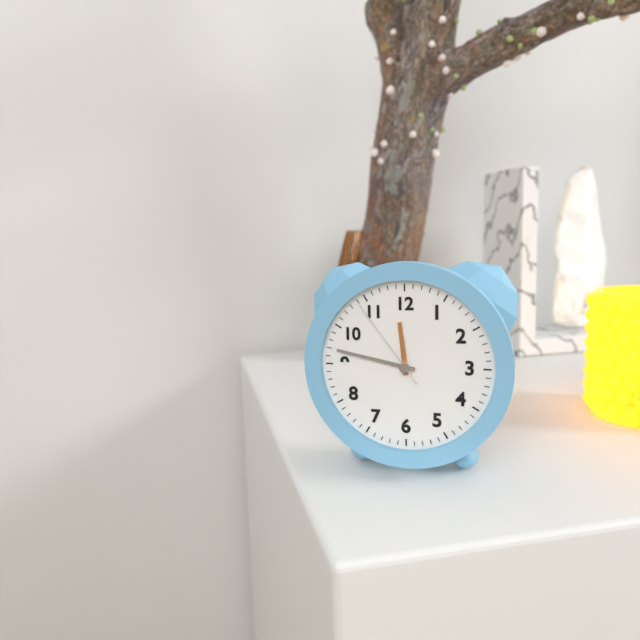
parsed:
11,47,54
